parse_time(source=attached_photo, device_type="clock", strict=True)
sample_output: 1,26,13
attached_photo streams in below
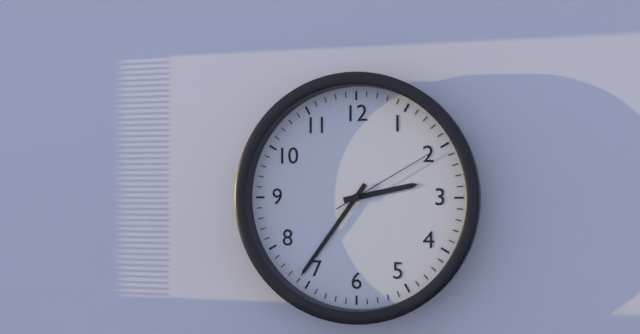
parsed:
2,36,10
